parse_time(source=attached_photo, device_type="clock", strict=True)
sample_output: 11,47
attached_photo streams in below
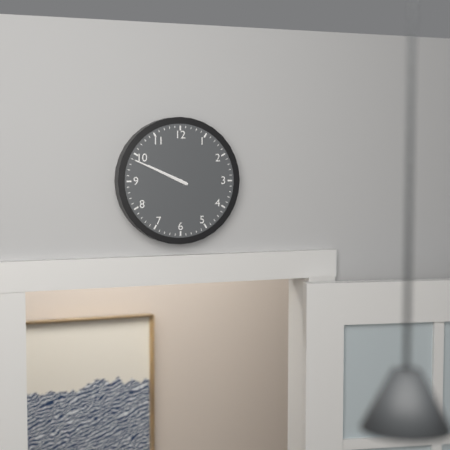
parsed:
9,49
